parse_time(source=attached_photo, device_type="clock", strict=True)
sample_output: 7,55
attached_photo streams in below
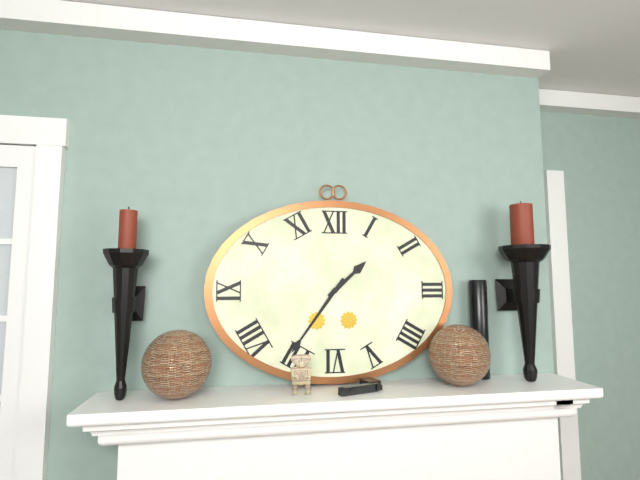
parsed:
1,36
